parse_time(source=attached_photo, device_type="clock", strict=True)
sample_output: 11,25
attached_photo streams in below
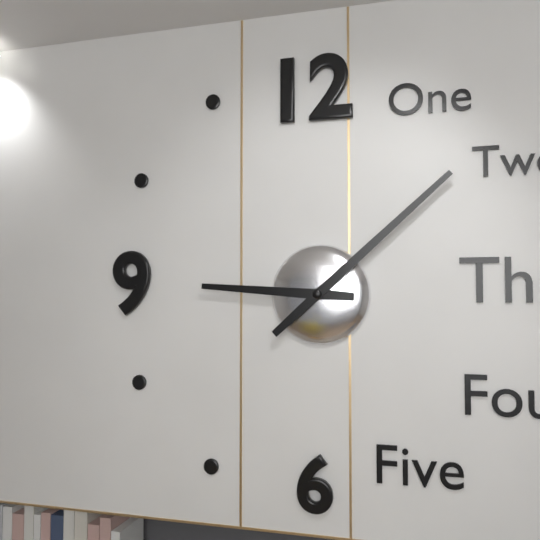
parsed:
9,08
